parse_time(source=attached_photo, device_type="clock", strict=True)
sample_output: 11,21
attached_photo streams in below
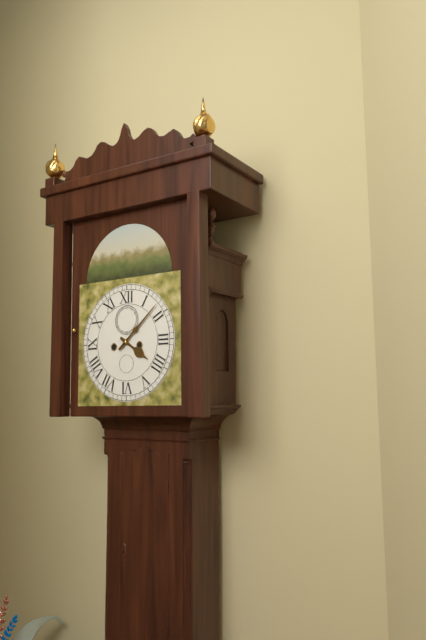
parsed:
4,08
